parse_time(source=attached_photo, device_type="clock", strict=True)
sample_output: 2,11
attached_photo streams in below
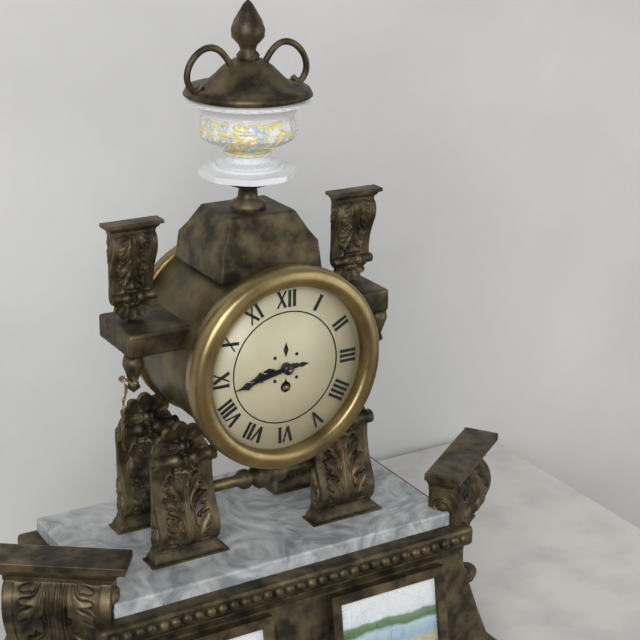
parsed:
8,43
